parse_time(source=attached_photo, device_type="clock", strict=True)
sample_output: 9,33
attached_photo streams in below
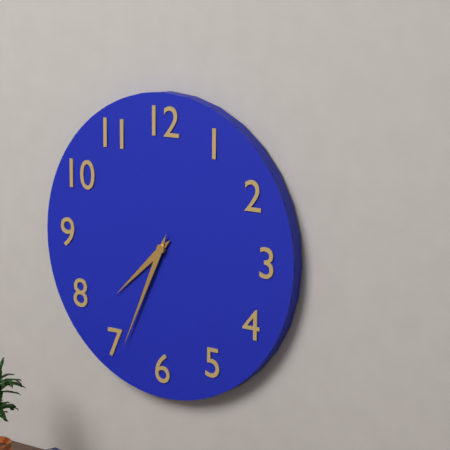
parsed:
7,34
